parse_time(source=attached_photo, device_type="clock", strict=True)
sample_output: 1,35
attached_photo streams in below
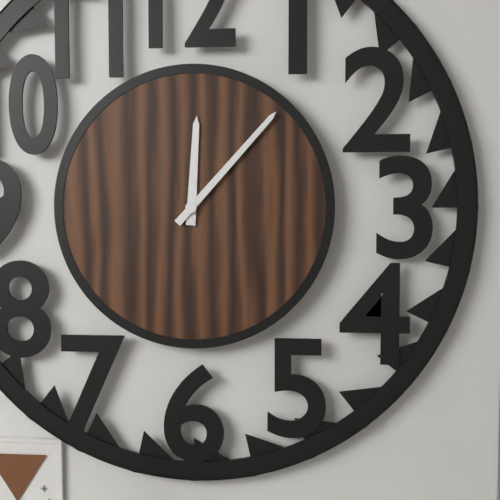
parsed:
12,07
